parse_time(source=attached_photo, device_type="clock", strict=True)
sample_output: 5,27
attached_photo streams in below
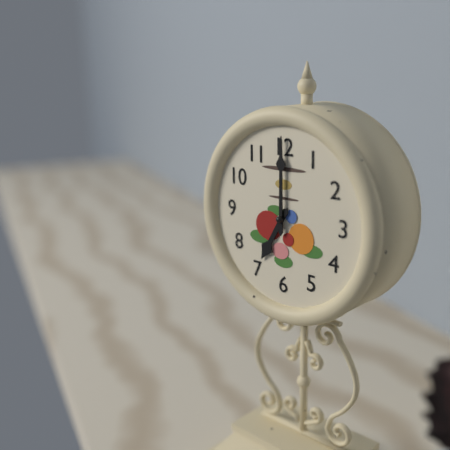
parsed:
7,00
